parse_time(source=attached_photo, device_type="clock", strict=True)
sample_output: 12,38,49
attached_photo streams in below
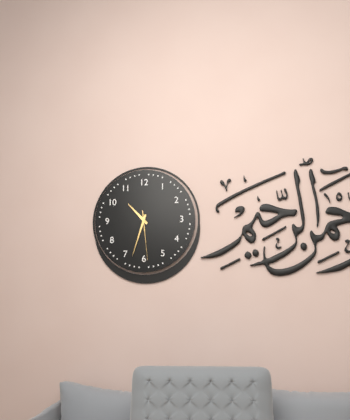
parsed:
10,33,29
